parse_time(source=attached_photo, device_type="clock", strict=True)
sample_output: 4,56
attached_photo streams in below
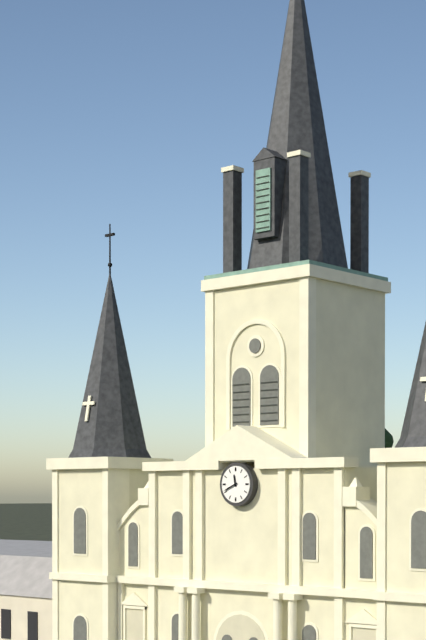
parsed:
11,41
